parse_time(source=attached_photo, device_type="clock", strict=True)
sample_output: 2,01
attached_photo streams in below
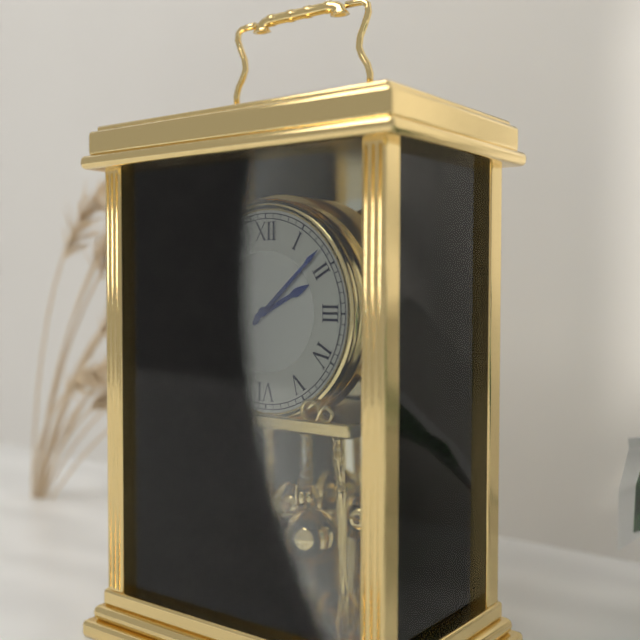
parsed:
2,08
